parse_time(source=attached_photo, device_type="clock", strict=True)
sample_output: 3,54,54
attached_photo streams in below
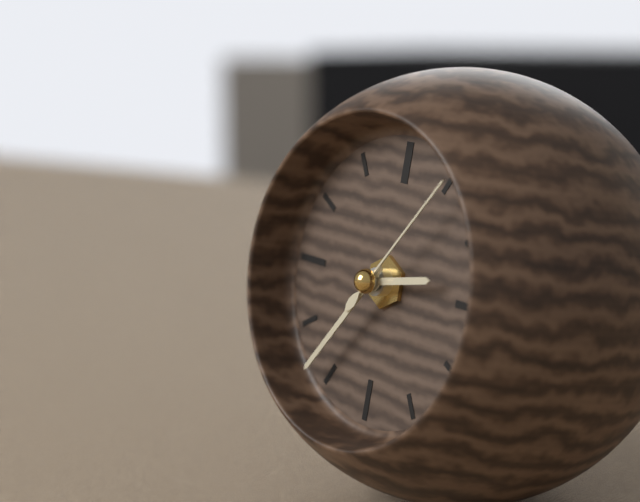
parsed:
2,36,06
